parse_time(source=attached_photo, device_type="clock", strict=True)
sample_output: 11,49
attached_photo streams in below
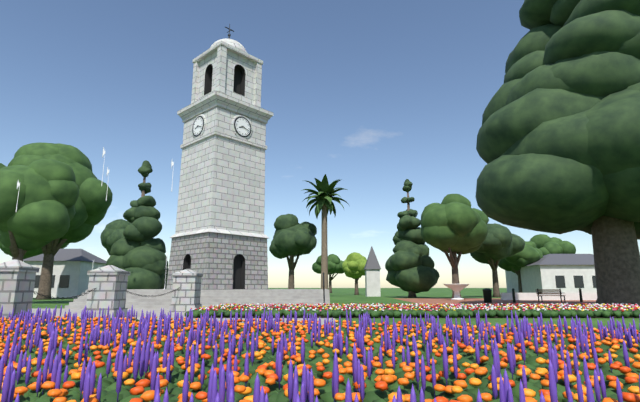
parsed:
8,18
